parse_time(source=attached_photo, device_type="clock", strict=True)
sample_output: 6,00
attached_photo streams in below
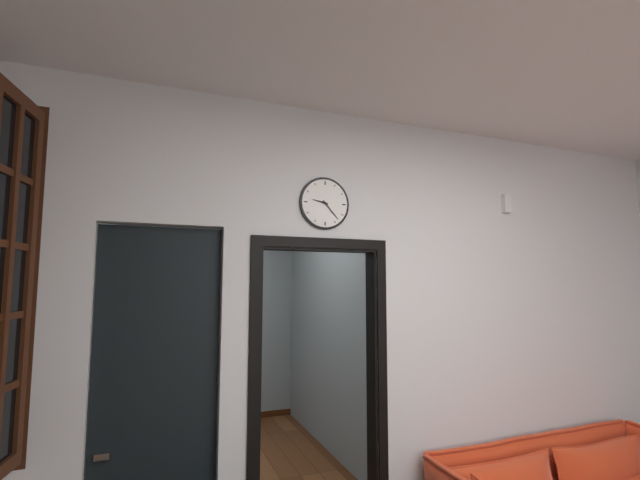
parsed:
9,23
